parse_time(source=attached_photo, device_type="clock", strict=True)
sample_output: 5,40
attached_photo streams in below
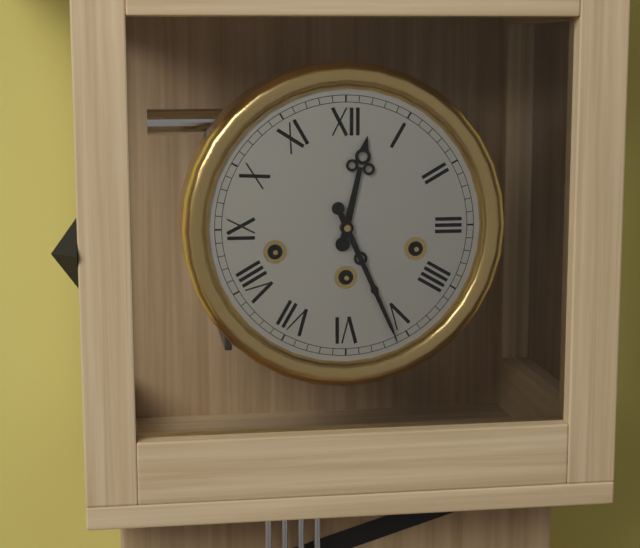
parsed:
12,26
